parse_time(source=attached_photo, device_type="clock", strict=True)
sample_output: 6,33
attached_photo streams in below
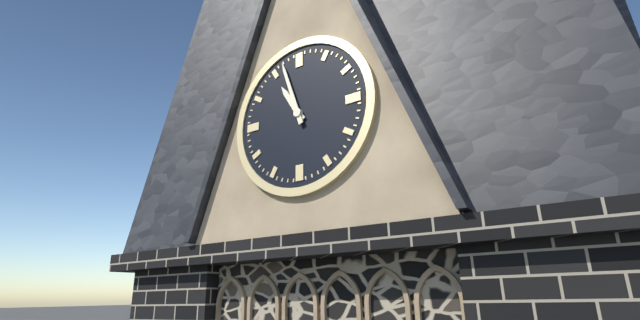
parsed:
10,57
